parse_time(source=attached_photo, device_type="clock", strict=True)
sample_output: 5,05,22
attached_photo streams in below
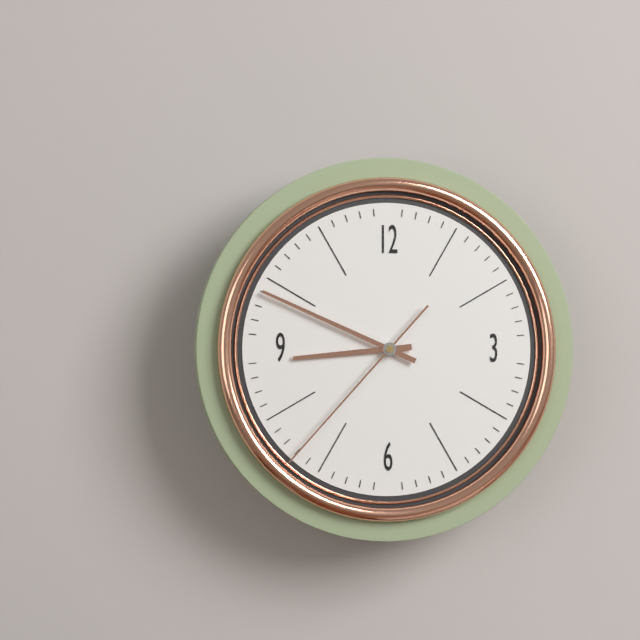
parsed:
8,49,37
